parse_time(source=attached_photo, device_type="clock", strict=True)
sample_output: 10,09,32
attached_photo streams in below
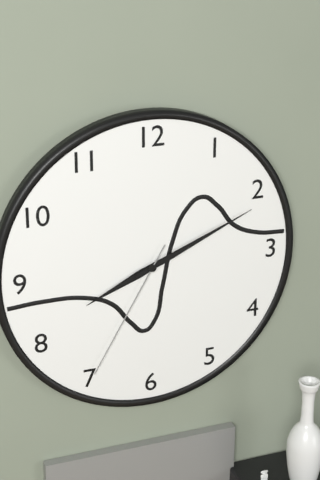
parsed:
8,11,35
